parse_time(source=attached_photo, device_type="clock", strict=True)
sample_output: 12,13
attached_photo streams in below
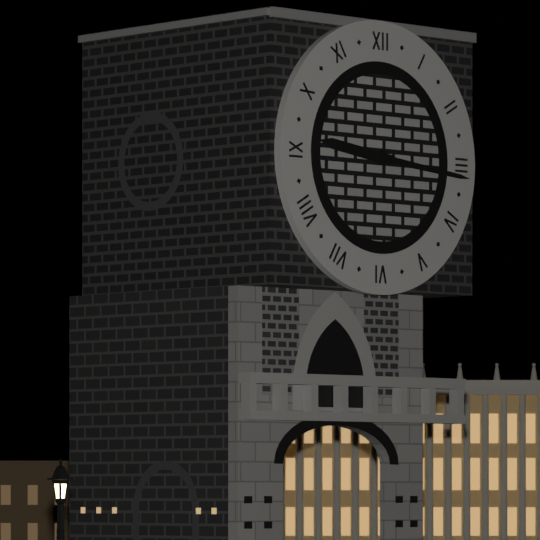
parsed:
9,16
